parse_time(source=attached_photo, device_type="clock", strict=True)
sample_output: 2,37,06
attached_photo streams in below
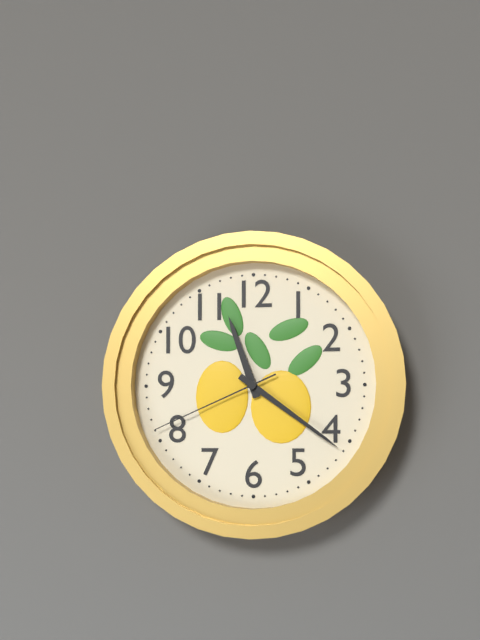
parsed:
11,21,41
